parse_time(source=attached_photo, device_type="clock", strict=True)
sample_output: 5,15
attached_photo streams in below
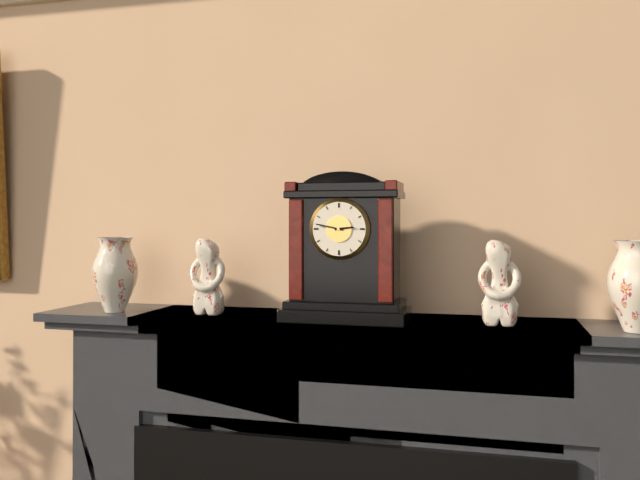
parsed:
2,47
